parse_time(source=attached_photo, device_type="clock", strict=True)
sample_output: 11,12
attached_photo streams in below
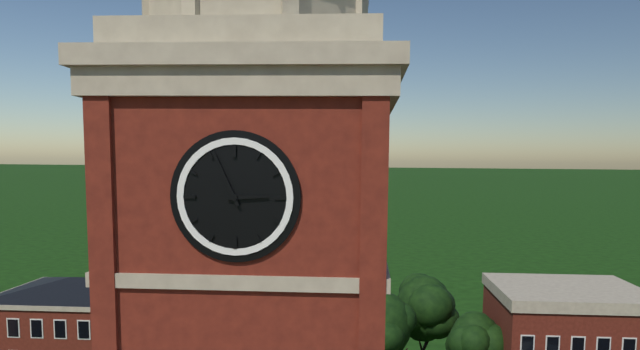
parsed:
2,56
